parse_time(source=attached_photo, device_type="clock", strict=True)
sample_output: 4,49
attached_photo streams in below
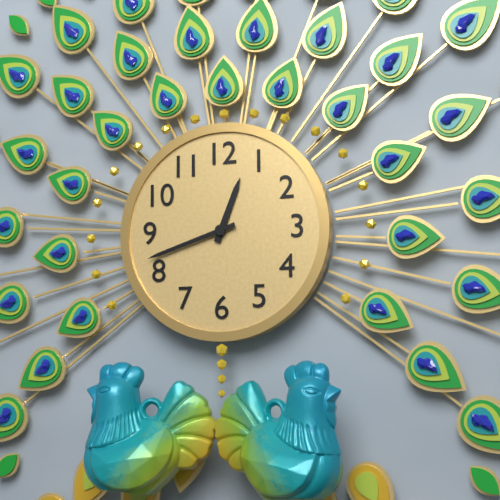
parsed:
12,42
